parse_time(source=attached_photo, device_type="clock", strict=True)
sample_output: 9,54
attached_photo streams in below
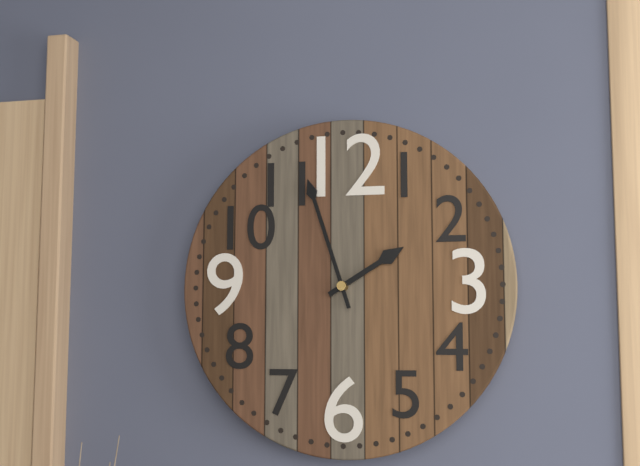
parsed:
1,57
